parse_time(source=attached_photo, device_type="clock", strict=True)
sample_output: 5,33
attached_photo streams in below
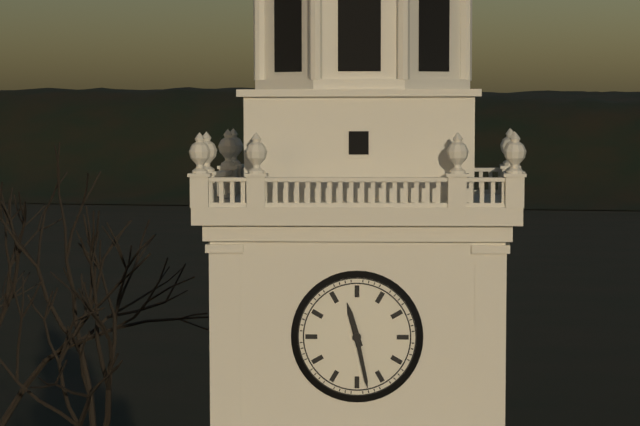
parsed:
11,28
